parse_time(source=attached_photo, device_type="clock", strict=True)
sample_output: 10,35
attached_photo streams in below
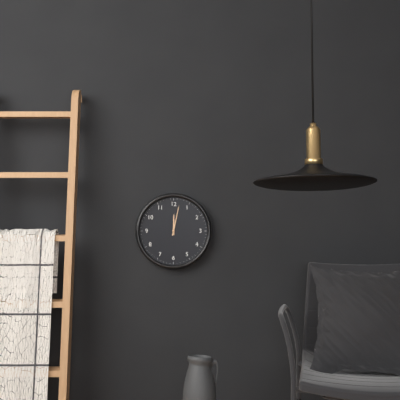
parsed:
12,02
